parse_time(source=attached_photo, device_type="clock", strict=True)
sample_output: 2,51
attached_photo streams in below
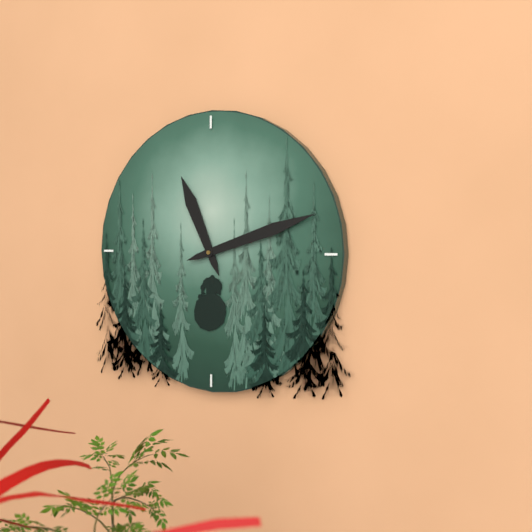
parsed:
11,12
